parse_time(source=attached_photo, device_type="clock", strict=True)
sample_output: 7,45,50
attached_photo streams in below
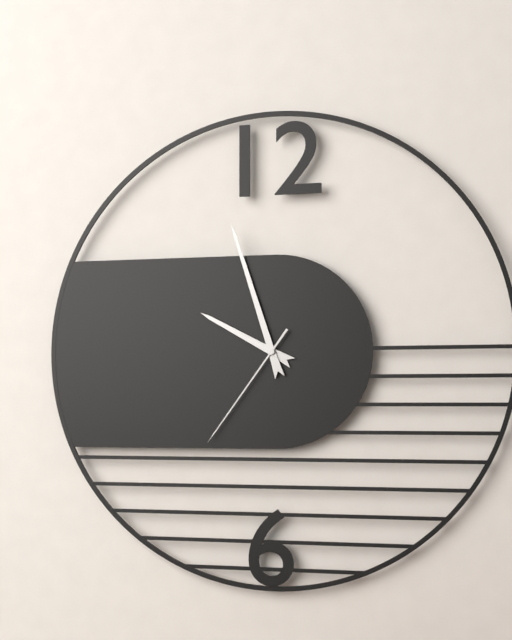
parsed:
9,57,36
